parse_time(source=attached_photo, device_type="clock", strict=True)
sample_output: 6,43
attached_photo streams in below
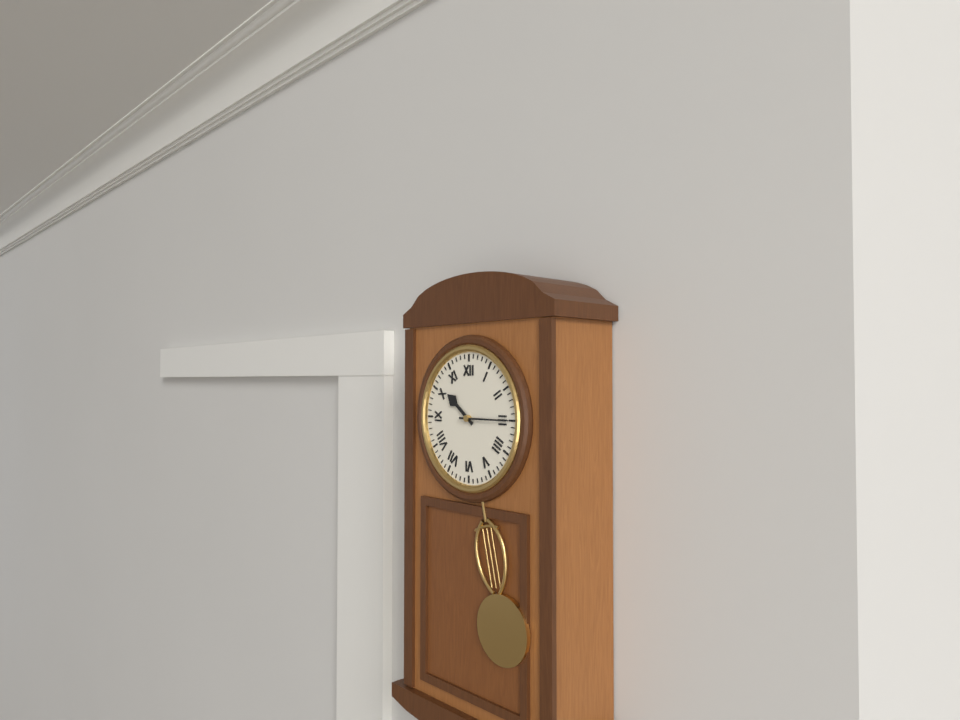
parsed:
10,15
